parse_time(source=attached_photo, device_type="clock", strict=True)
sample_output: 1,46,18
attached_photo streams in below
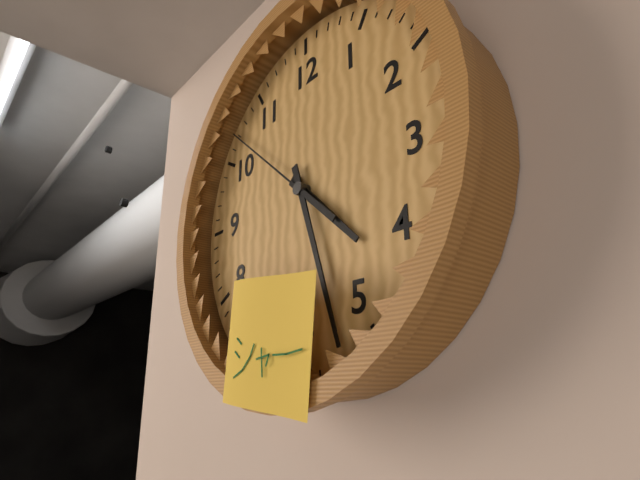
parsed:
4,27,52
